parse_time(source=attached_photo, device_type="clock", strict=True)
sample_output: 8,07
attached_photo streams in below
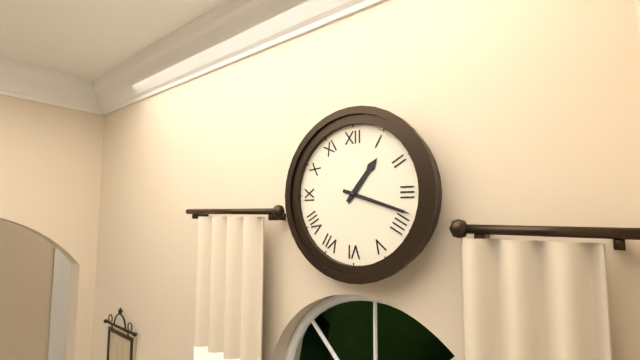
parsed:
1,18
